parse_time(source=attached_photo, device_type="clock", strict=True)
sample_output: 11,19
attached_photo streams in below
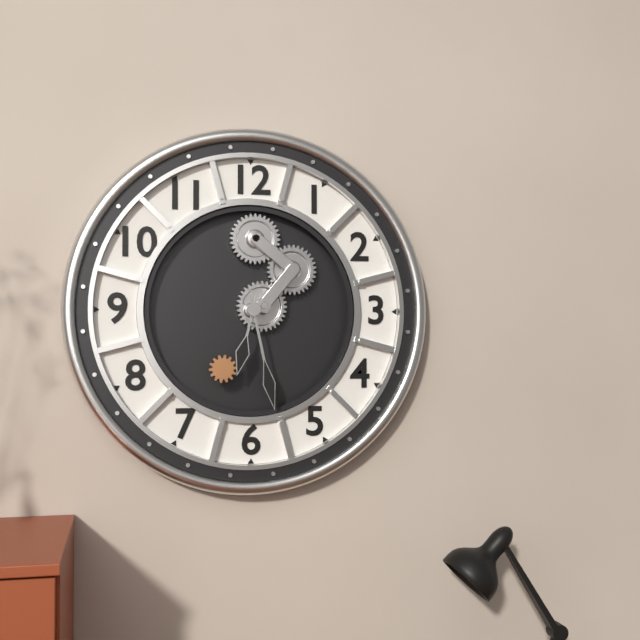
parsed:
6,28
